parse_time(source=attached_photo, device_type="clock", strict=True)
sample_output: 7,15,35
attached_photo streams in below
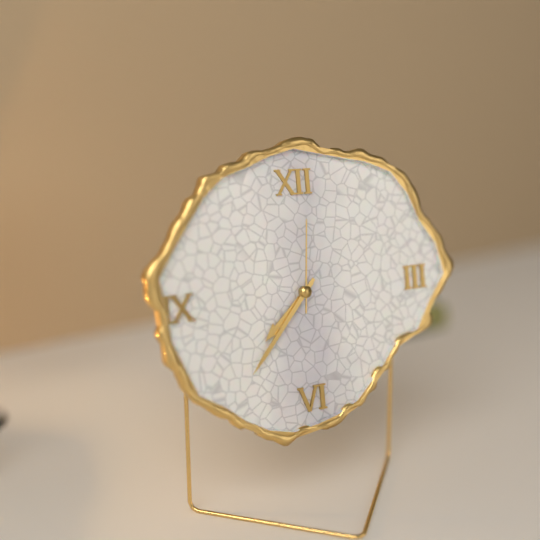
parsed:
7,37,01
